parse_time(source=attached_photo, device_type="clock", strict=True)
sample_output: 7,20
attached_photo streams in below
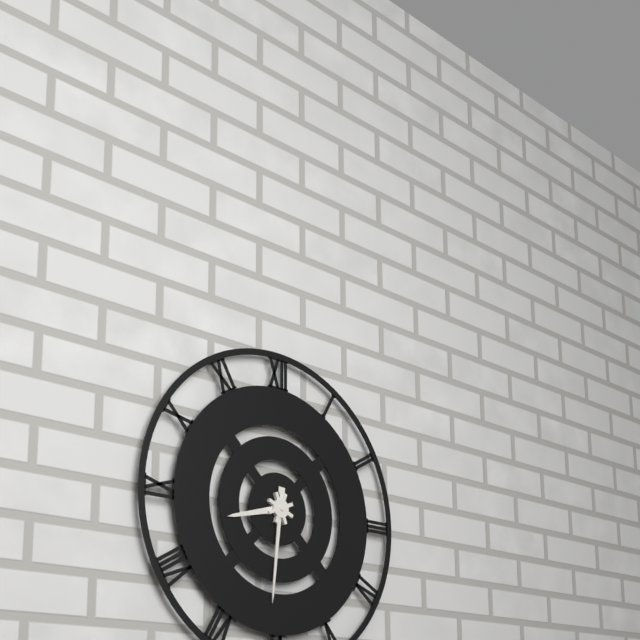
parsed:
8,31
